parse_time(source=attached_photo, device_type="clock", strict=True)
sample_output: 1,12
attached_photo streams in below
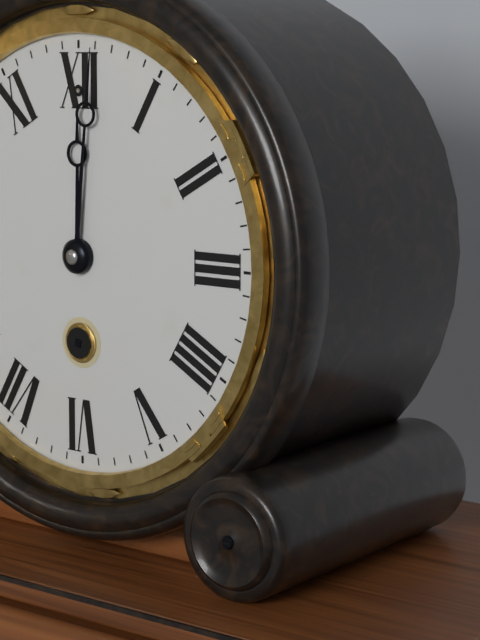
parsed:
12,01
